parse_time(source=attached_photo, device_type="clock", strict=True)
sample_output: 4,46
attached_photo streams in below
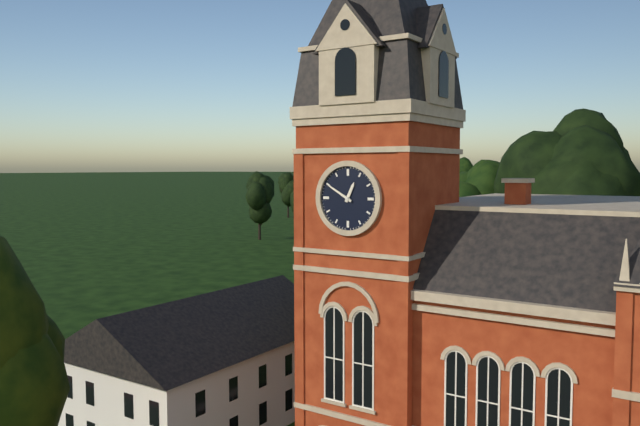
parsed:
12,50
